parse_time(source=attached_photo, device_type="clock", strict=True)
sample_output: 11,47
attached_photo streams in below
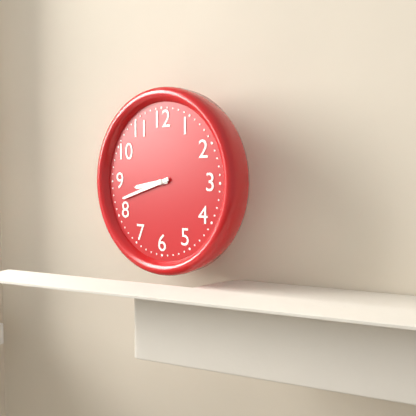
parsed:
8,42
